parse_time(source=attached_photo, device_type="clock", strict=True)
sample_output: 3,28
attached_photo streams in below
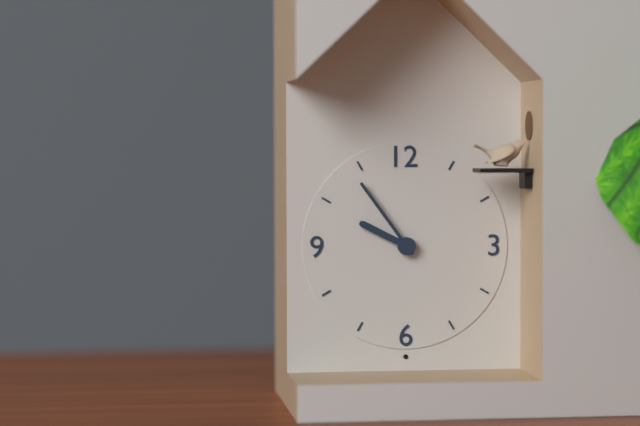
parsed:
9,54
